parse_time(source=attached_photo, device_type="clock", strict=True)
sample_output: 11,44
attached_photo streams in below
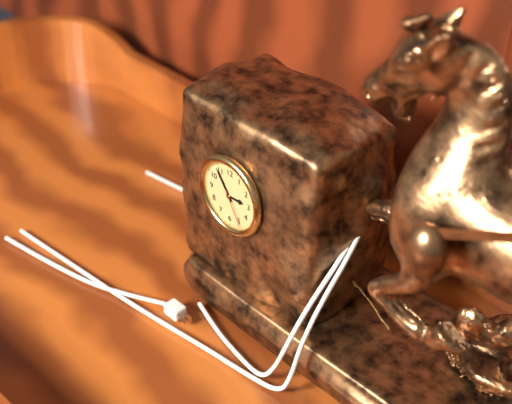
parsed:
2,54
